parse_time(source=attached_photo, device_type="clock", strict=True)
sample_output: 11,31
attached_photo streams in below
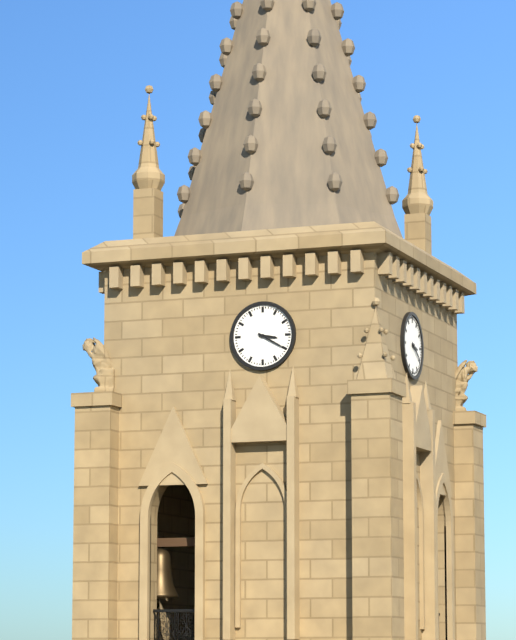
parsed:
3,20
